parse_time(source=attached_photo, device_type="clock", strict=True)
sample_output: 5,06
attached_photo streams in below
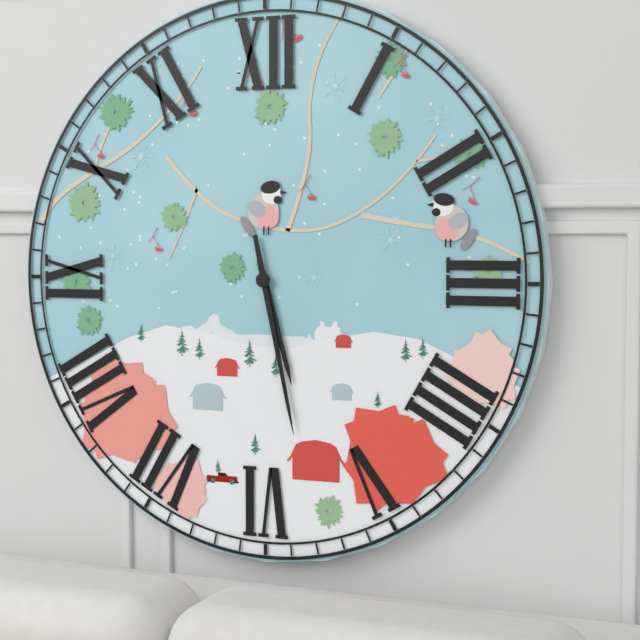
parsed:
5,28
